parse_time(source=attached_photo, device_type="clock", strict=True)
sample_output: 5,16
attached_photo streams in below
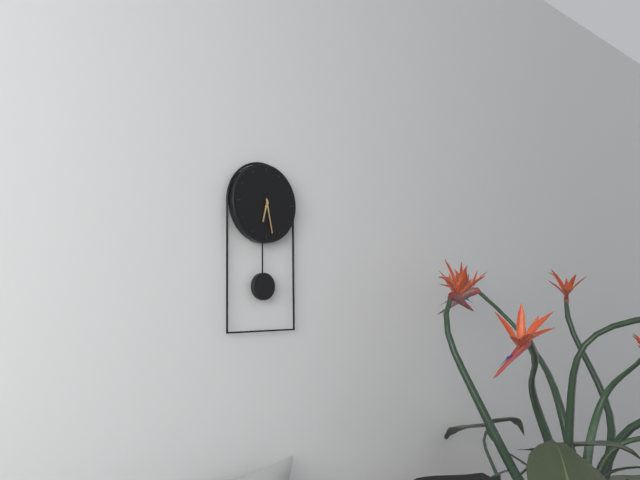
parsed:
6,28
